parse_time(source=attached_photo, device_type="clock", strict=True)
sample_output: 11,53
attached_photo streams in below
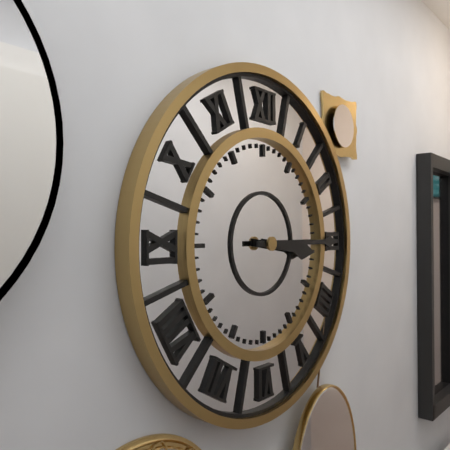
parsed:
3,15
